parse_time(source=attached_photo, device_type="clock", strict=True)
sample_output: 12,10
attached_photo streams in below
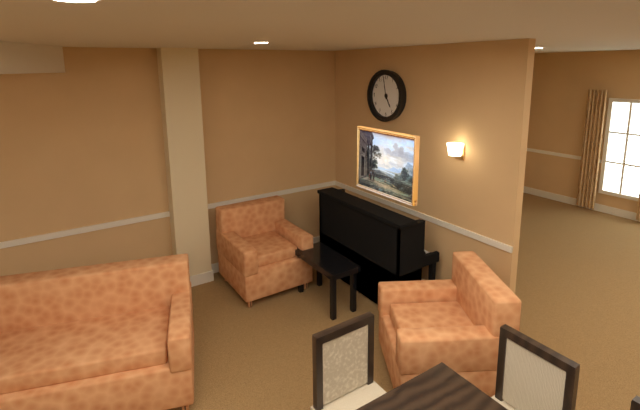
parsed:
4,58
